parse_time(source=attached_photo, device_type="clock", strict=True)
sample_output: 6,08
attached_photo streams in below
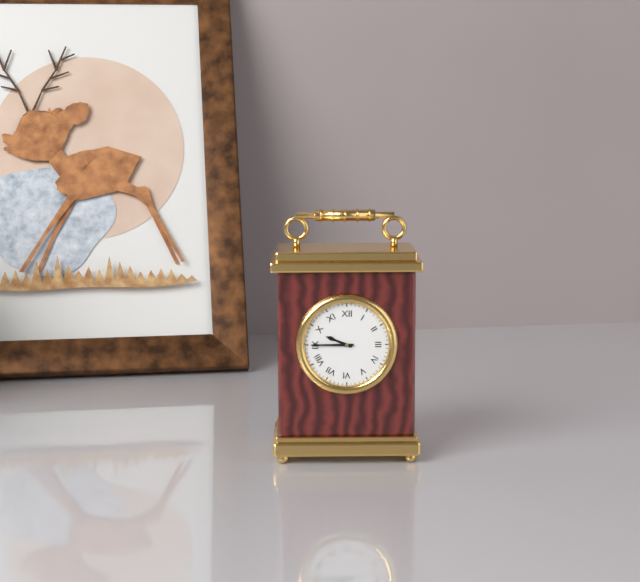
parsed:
9,45
